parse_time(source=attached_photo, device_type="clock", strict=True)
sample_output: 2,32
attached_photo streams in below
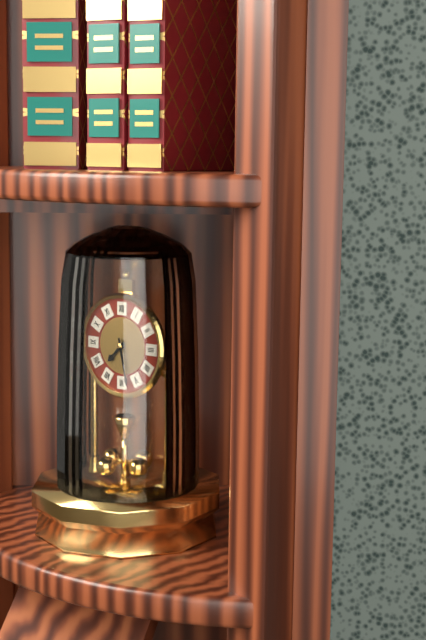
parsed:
7,28
